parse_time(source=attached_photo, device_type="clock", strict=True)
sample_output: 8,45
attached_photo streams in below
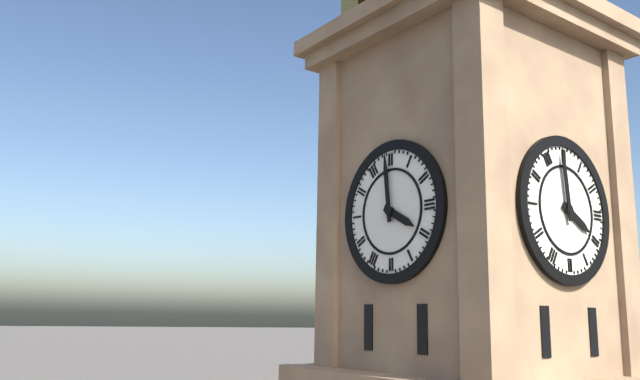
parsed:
3,59
